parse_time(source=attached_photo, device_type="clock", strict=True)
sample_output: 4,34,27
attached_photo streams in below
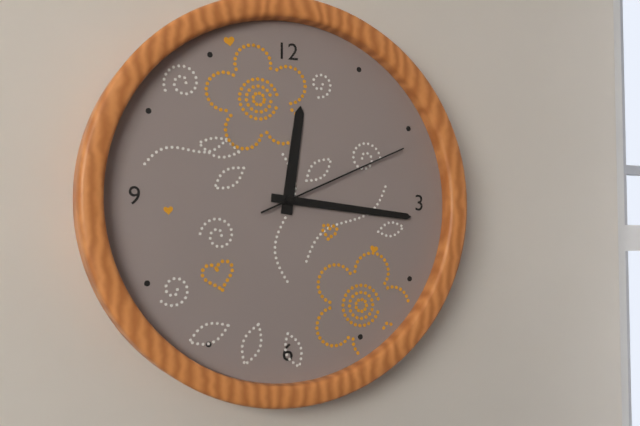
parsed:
12,16,11
